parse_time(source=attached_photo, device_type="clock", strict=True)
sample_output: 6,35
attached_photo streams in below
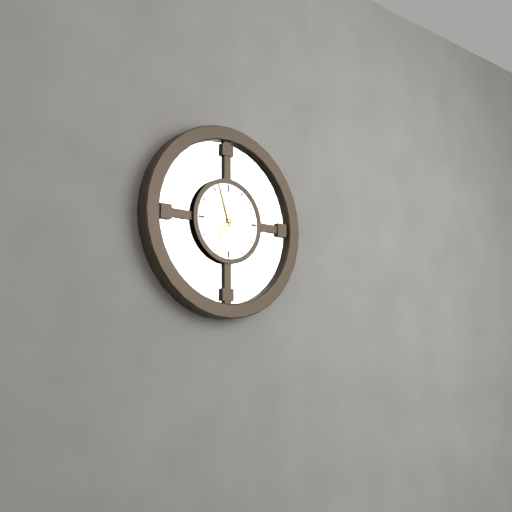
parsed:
6,57
